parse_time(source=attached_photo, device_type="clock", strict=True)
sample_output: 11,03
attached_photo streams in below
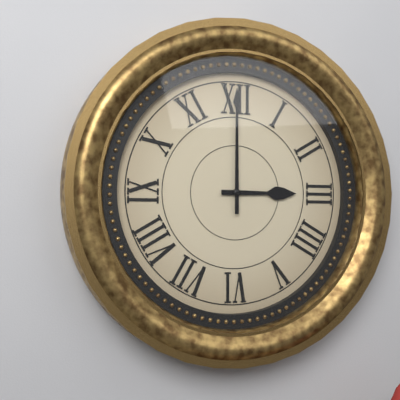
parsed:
3,00
